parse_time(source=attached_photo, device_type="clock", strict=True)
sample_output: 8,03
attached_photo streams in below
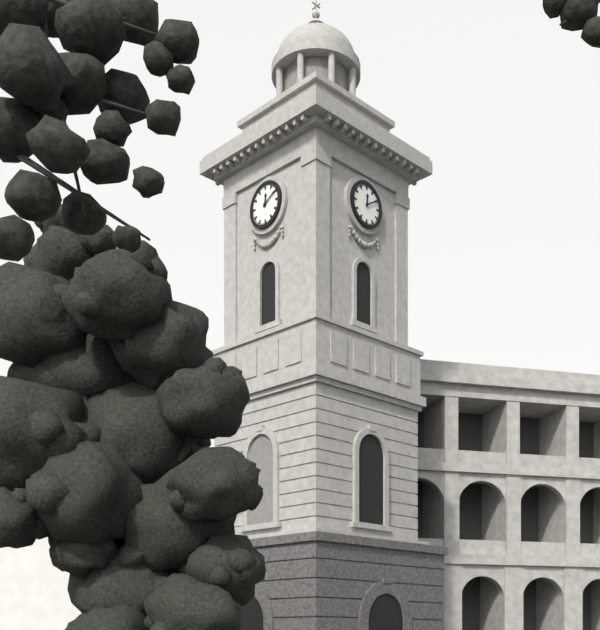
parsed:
12,10
